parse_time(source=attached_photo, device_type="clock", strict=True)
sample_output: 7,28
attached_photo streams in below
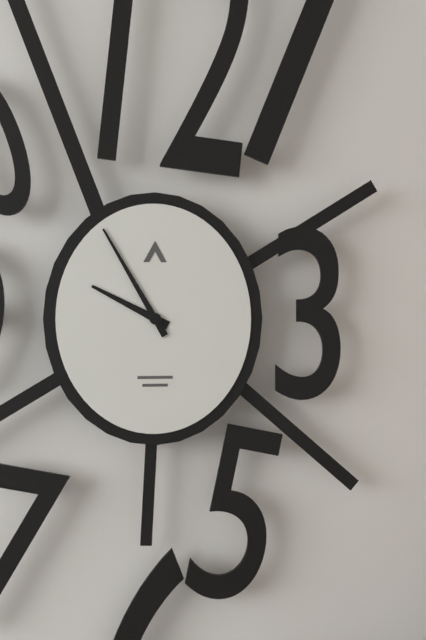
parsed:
9,55
